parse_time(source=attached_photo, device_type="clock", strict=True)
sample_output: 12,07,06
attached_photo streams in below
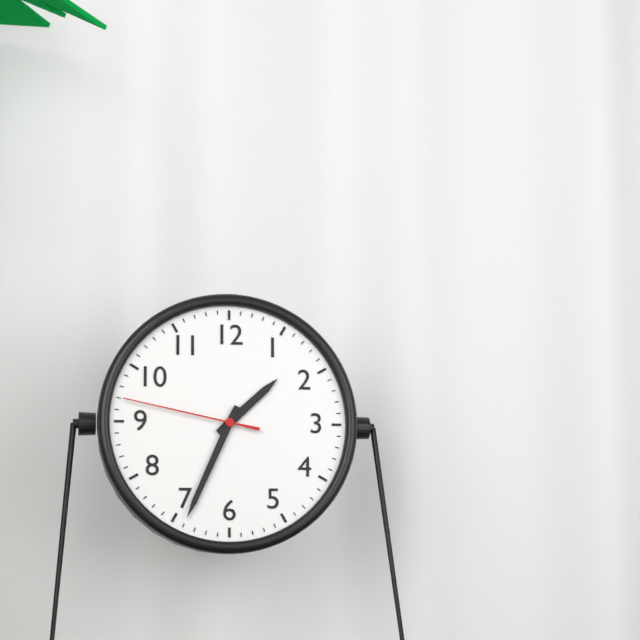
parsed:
1,34,47
